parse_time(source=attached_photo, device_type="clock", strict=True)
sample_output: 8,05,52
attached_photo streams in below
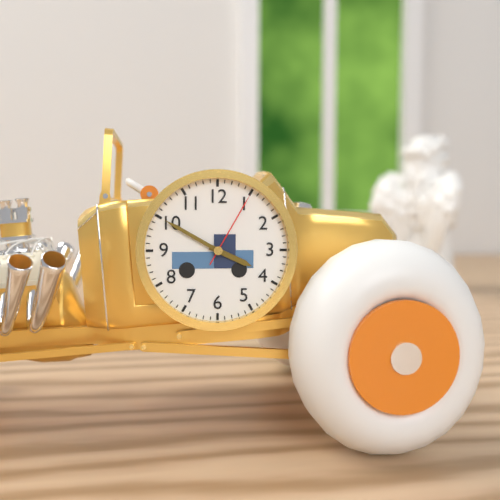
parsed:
3,50,05
